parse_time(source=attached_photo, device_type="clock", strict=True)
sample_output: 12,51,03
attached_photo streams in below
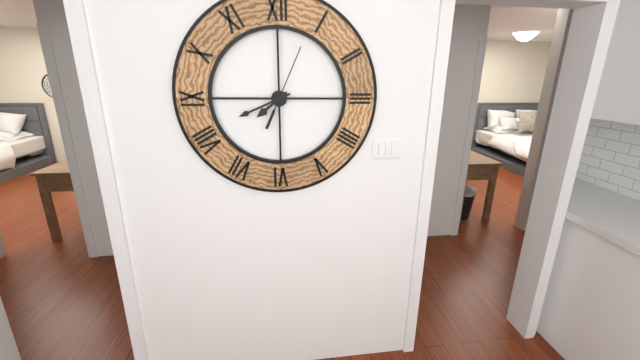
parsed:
7,41,04
